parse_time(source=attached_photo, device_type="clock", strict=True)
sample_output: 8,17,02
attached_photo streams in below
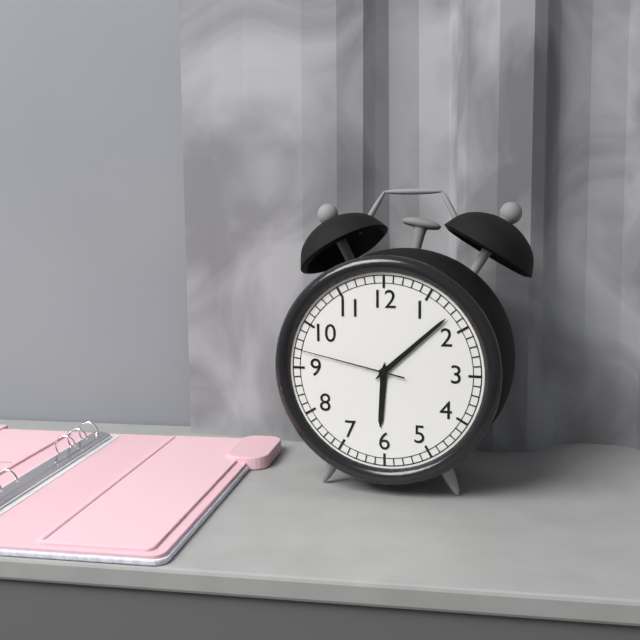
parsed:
6,08,47
